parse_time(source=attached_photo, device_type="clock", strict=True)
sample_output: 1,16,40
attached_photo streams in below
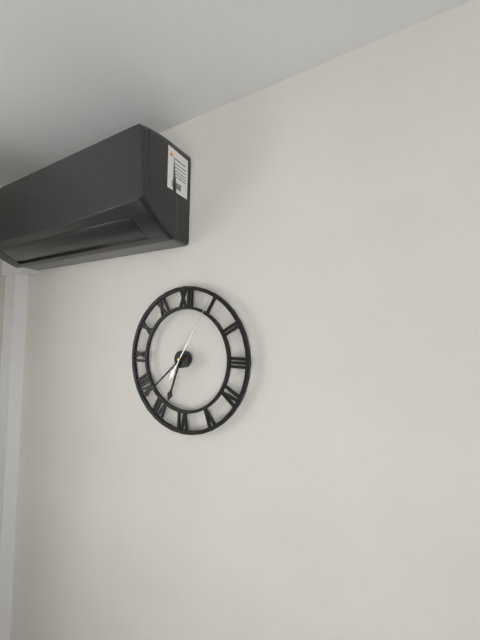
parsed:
6,38,05
